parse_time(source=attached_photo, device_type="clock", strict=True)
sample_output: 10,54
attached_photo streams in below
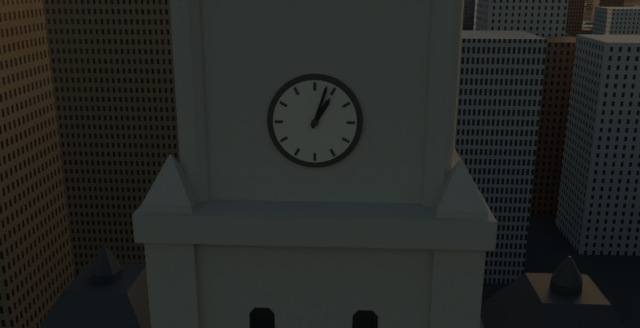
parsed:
1,03
